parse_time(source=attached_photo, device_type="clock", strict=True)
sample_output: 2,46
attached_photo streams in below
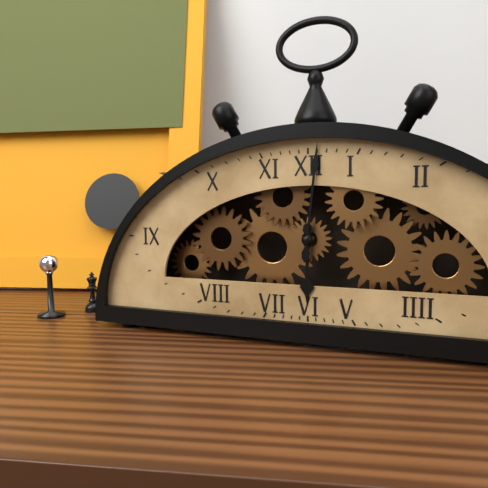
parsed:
6,01
